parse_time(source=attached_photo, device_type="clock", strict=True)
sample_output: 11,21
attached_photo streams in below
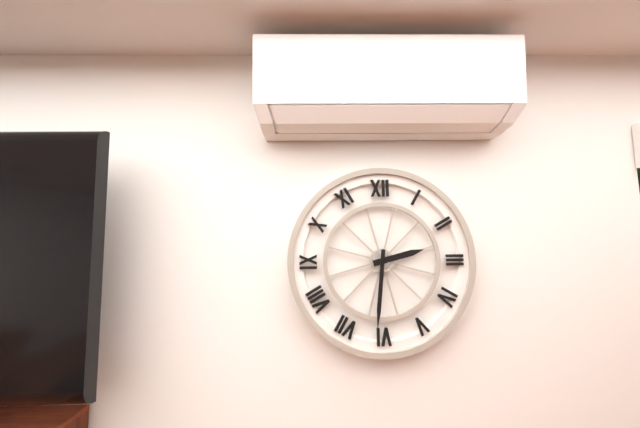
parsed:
2,31
